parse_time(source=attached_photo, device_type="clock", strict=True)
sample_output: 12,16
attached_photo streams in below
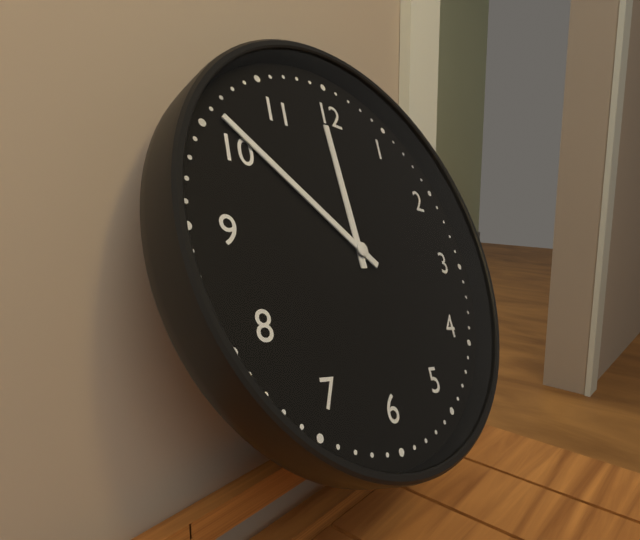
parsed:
11,51
